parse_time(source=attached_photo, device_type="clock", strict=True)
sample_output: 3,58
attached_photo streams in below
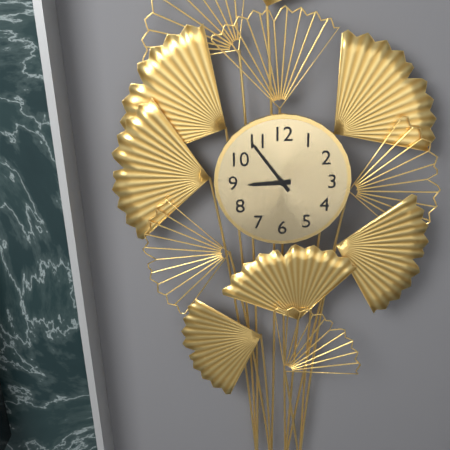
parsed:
8,54
